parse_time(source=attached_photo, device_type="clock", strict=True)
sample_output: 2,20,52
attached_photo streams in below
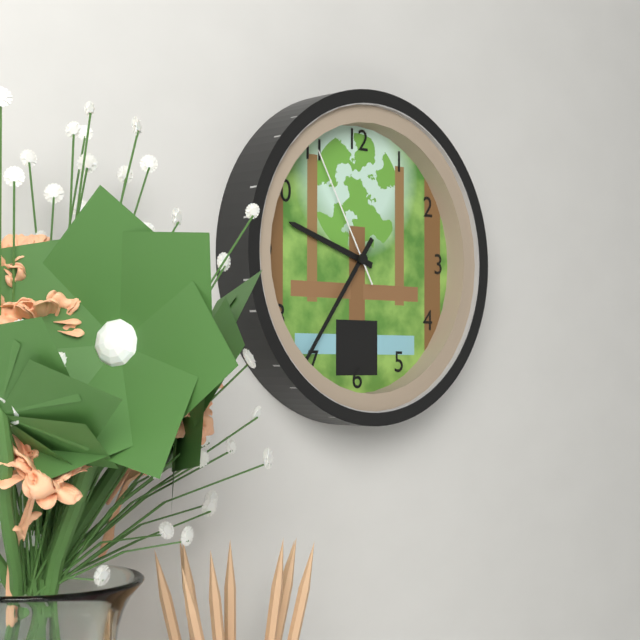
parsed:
9,36,55
